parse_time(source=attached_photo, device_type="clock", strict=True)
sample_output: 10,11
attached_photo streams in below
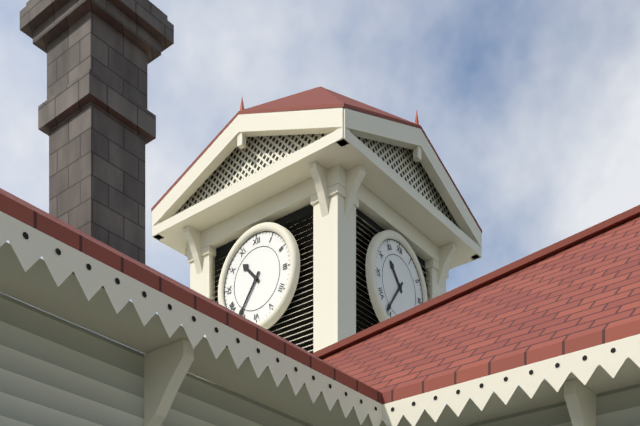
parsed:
10,36
